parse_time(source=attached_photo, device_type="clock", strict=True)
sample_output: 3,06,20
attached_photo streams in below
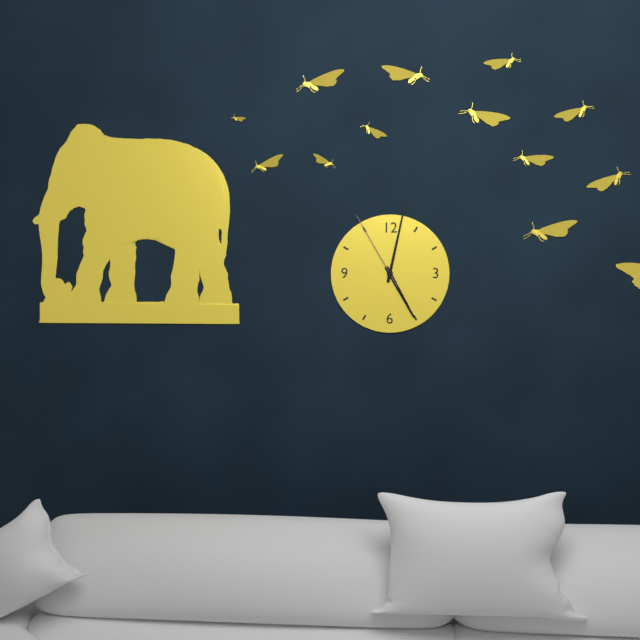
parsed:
5,02,55
